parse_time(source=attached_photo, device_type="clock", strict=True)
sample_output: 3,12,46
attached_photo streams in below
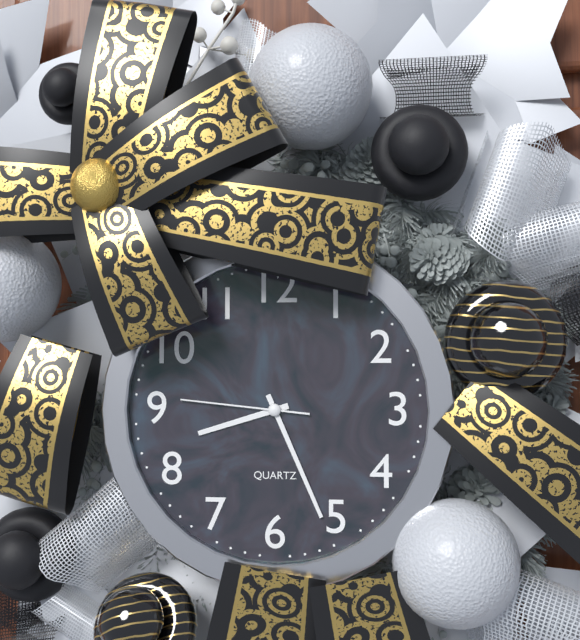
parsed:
8,26,46
